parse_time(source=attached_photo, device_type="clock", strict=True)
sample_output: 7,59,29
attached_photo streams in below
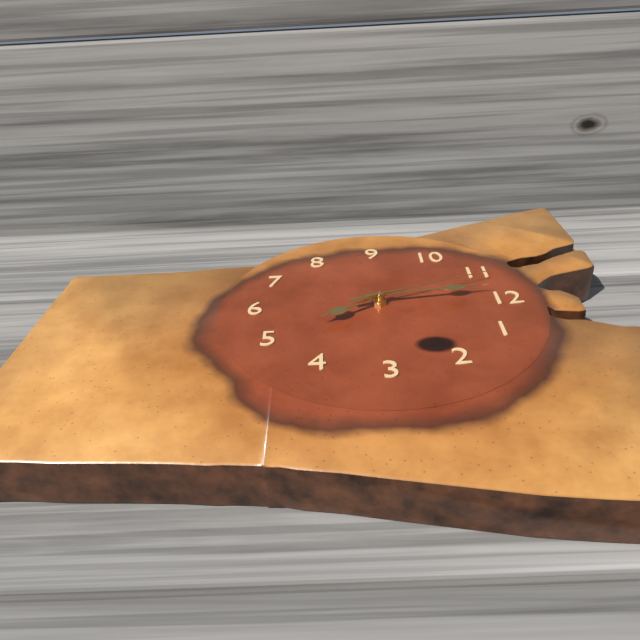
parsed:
4,59,57
